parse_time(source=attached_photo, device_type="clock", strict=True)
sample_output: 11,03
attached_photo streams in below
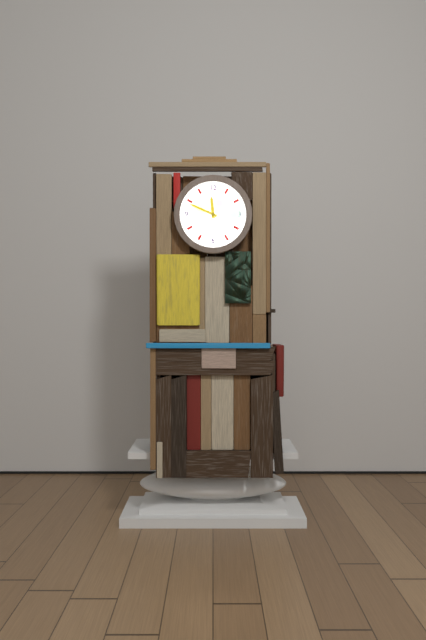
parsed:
11,49
